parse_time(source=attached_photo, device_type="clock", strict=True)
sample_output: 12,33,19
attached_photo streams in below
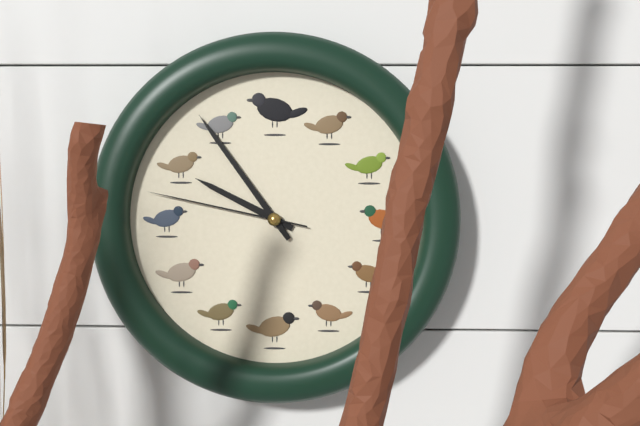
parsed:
9,54,47
